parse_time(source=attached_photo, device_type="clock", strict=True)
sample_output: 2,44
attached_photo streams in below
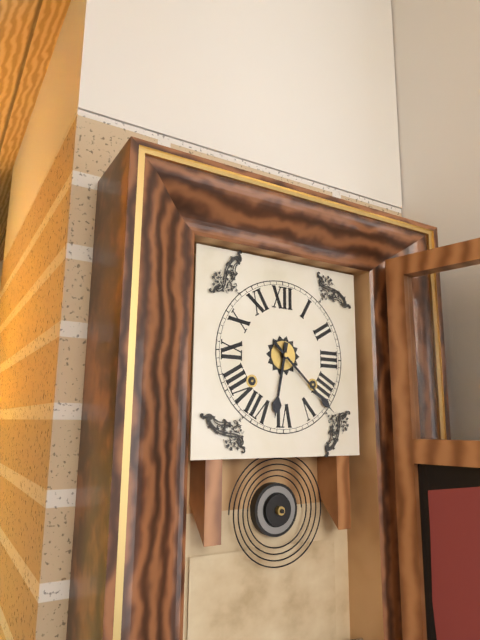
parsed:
6,22
